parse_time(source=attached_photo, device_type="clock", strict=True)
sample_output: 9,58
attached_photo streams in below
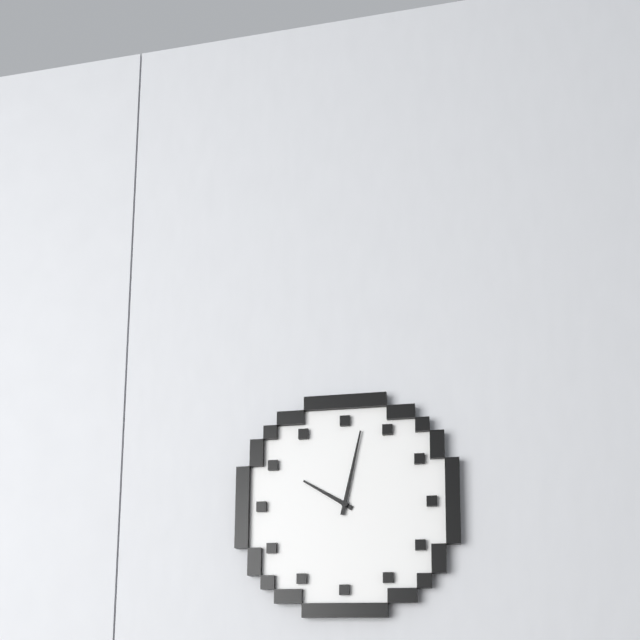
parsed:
10,02
